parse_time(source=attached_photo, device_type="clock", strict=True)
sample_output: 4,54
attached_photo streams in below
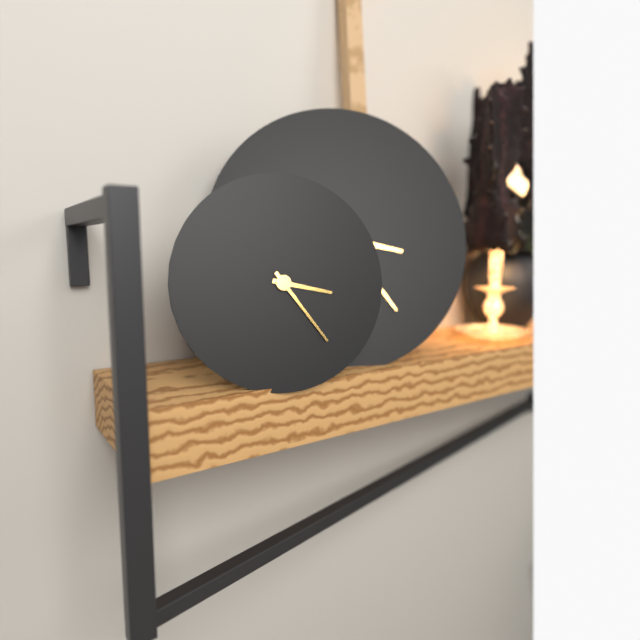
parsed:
3,24
